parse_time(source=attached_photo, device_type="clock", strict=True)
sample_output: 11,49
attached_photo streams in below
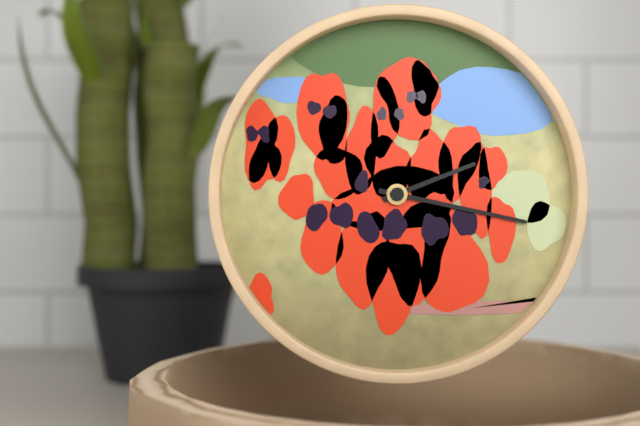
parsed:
2,17
